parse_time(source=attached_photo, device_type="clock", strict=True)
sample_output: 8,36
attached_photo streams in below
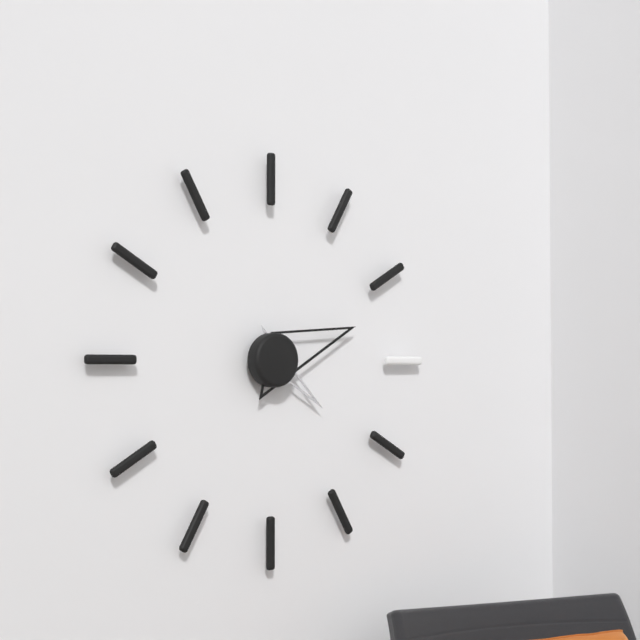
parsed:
4,12
